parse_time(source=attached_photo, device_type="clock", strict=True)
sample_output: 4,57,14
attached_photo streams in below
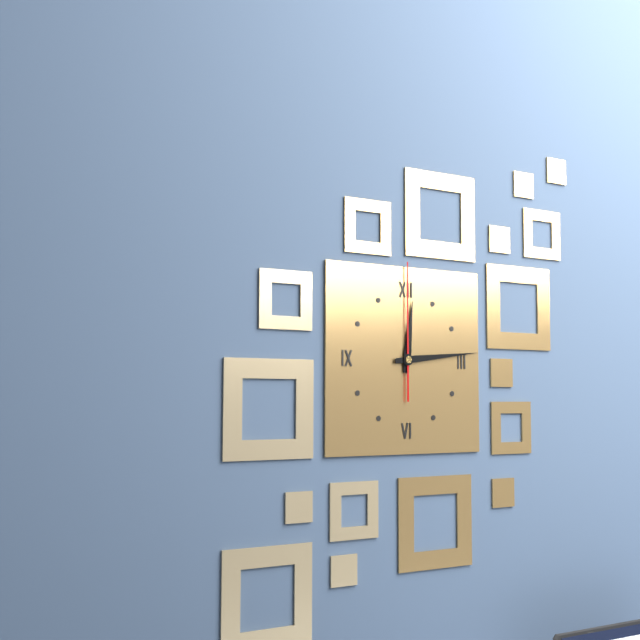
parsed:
12,14,00
